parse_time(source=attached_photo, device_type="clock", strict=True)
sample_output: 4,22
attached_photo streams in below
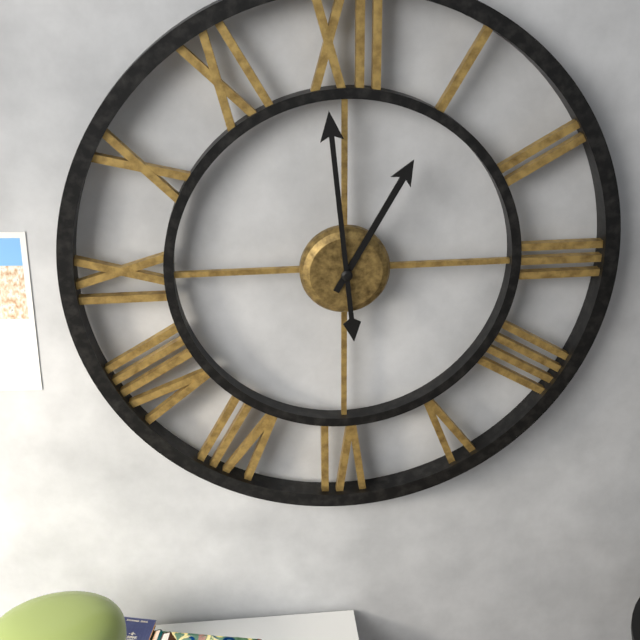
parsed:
12,59
